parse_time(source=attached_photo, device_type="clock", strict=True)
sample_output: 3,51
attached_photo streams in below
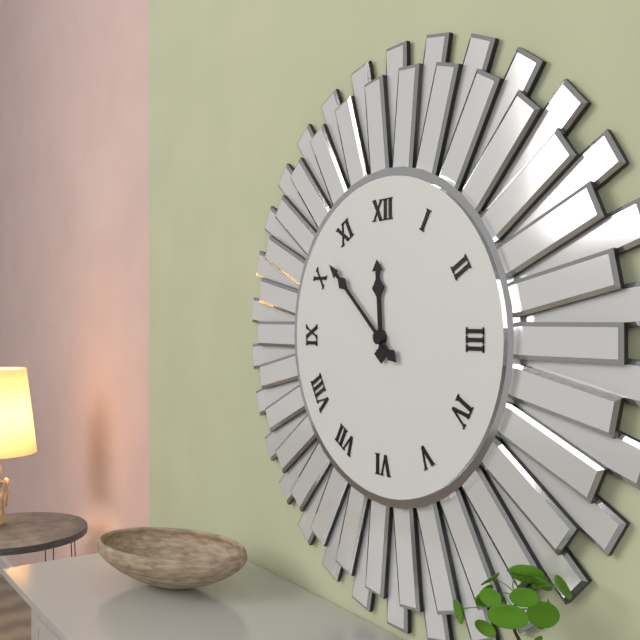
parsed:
11,52
